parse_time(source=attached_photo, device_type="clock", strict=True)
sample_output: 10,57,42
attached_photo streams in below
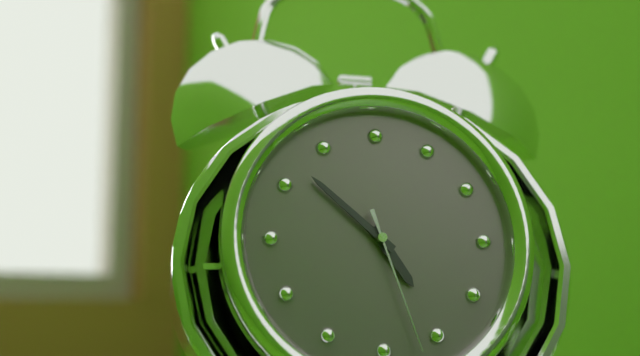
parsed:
4,52,27
